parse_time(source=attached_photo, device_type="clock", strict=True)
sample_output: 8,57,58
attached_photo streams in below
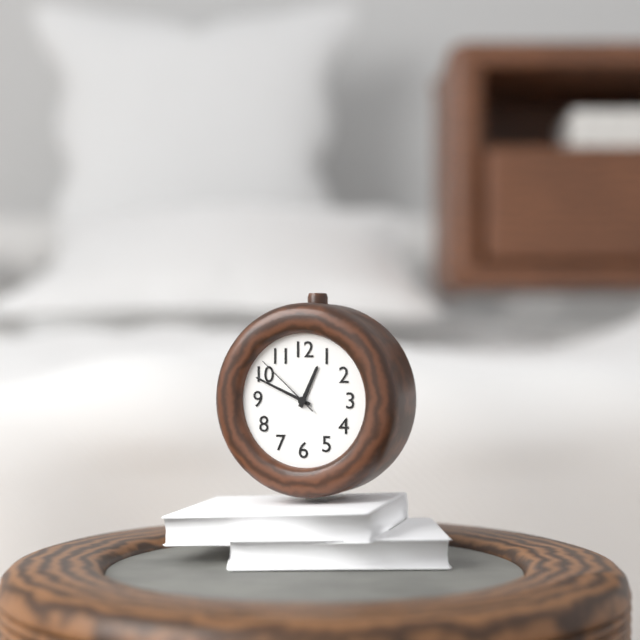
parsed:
12,49,52
